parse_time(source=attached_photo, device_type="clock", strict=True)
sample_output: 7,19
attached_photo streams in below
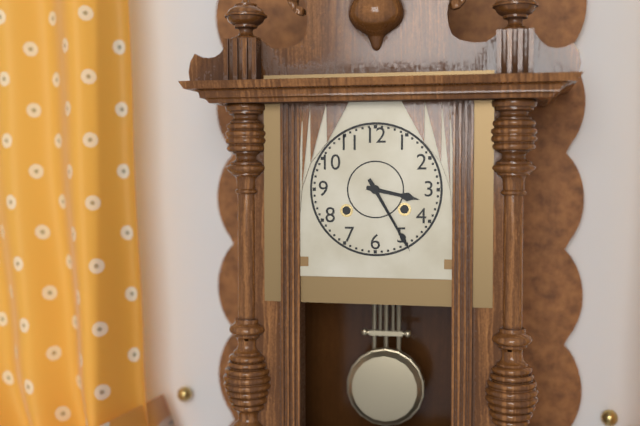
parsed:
3,25
